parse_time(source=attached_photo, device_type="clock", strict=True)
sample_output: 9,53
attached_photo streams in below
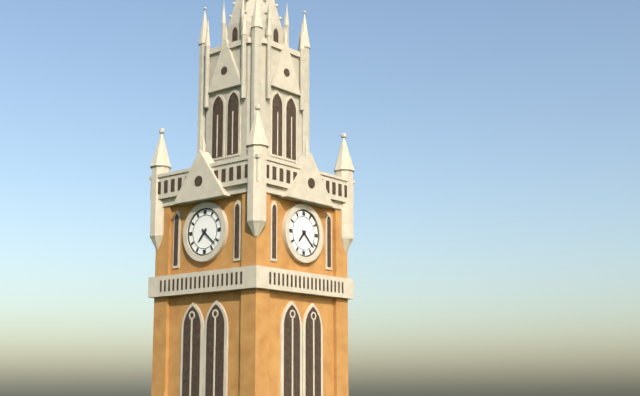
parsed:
7,22
